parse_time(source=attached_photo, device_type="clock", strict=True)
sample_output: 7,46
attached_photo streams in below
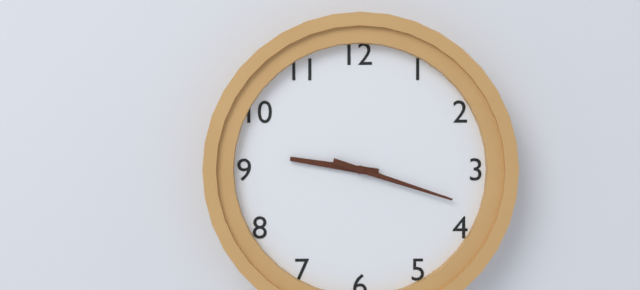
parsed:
9,18
